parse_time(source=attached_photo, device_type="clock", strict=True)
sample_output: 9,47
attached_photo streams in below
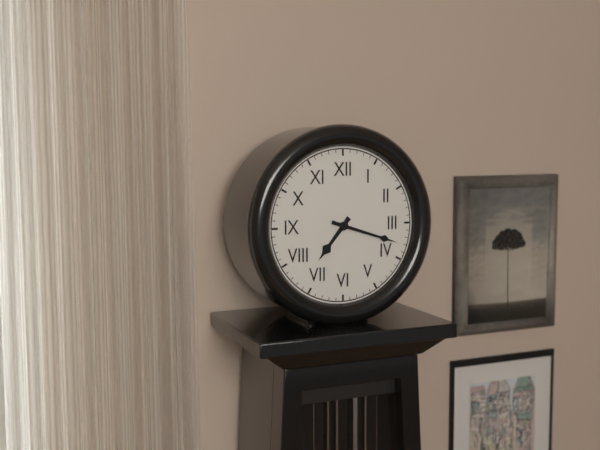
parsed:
7,18
